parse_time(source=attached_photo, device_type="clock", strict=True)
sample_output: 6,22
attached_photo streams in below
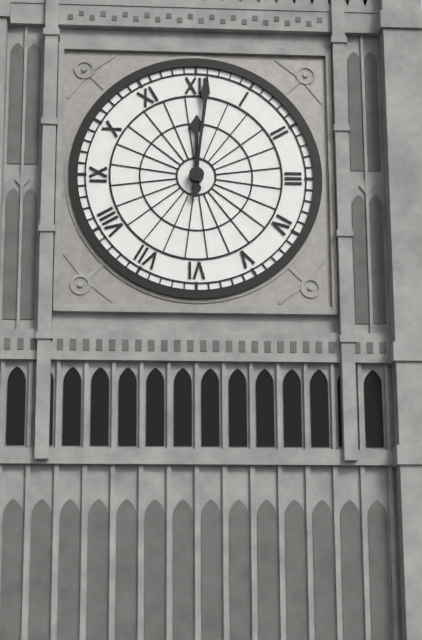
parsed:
12,01
